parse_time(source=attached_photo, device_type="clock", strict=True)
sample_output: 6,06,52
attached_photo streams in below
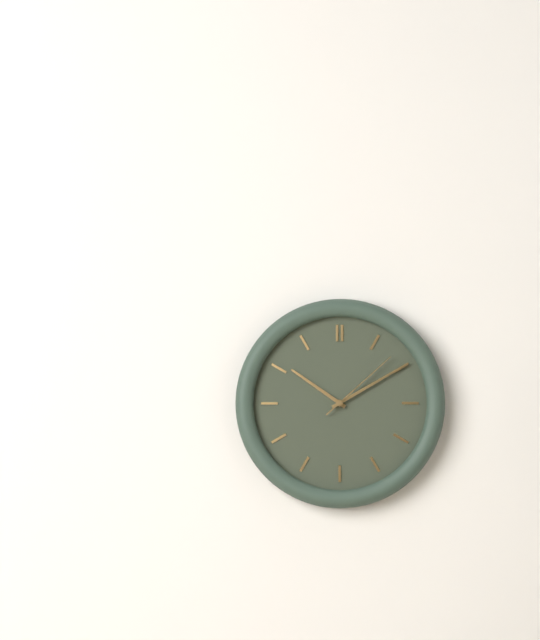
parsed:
10,10,08
